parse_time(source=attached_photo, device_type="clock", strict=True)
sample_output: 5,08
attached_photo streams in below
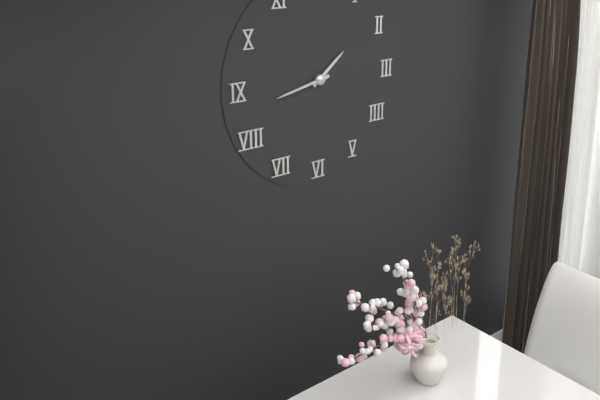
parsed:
1,43
